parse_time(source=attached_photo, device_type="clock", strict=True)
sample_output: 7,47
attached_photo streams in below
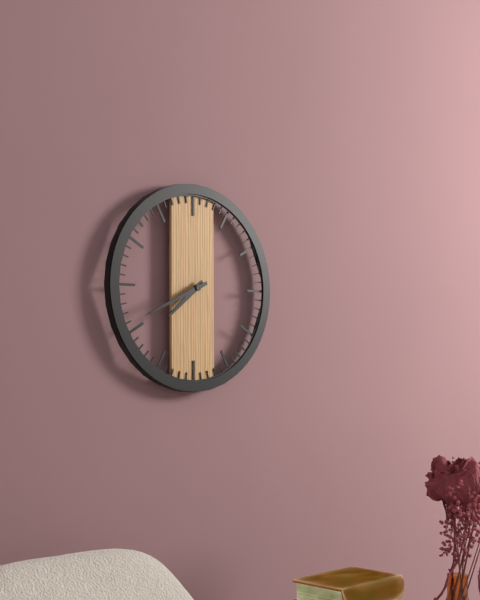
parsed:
7,41
